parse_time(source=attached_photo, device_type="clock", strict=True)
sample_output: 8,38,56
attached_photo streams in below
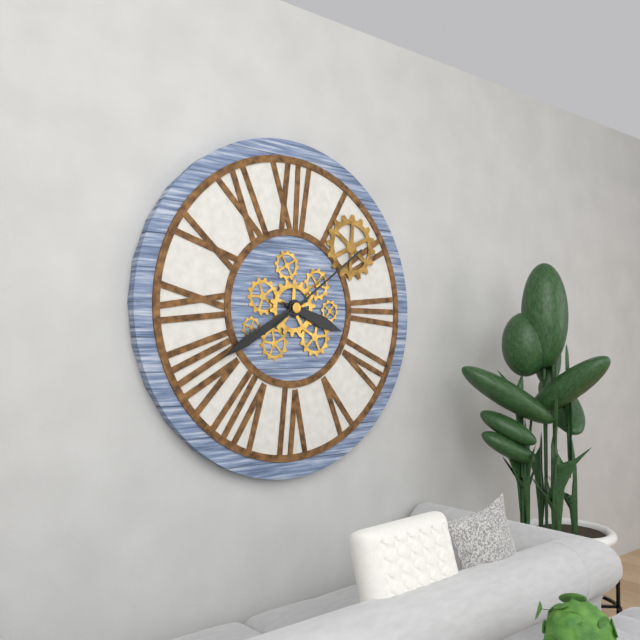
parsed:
3,40,09
